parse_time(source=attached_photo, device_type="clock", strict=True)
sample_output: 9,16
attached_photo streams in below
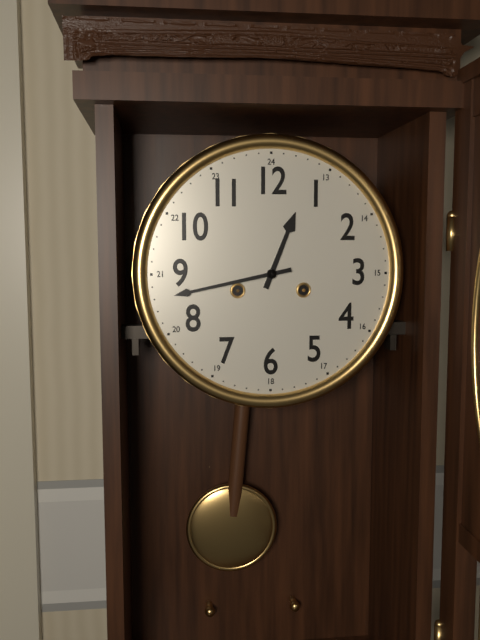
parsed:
12,43
